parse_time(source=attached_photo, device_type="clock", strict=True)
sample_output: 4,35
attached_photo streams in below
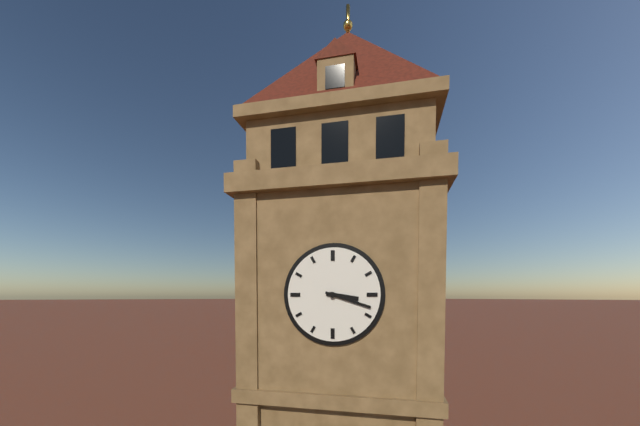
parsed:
3,18
